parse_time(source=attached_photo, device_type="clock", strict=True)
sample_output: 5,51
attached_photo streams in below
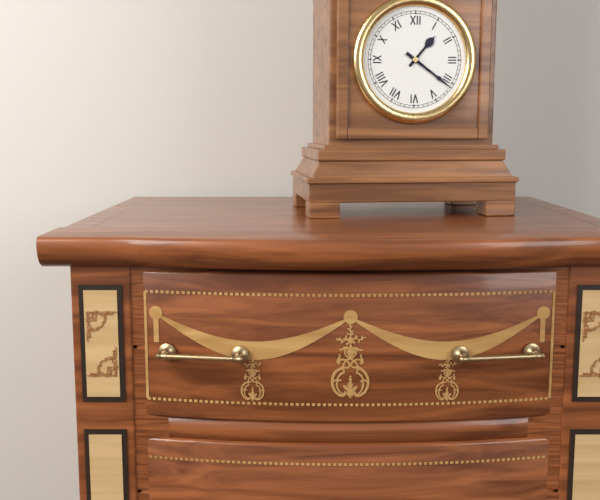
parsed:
1,21
